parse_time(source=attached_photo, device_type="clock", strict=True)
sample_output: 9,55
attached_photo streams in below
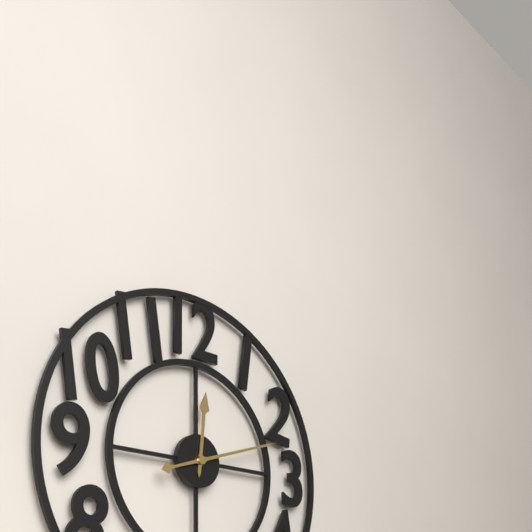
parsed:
12,12
